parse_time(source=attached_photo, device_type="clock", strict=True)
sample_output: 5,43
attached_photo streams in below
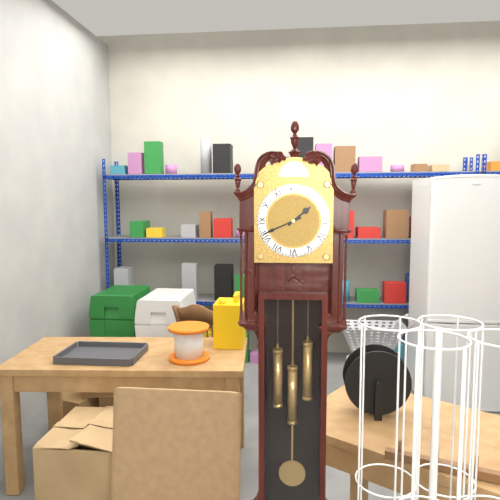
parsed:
1,41
